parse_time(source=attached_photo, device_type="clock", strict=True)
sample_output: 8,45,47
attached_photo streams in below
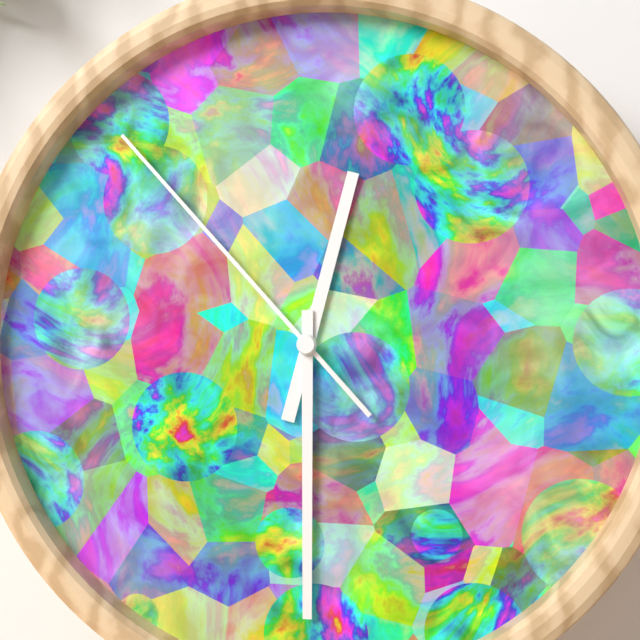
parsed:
12,30,53
